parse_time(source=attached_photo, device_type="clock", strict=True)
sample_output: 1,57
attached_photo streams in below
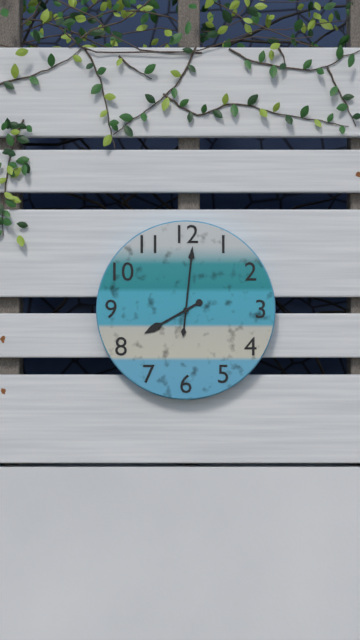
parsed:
8,01
